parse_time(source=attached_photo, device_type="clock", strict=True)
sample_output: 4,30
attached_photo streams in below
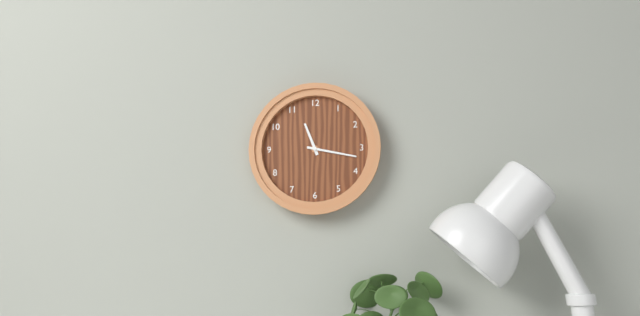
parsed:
11,17
